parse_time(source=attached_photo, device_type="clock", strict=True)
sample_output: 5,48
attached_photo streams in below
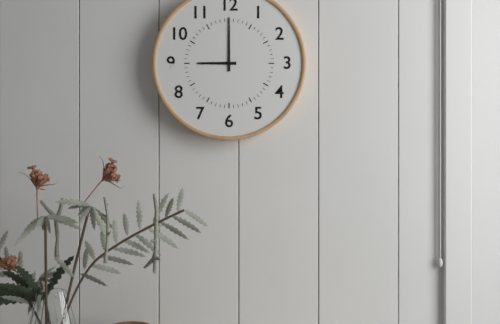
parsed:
9,00
